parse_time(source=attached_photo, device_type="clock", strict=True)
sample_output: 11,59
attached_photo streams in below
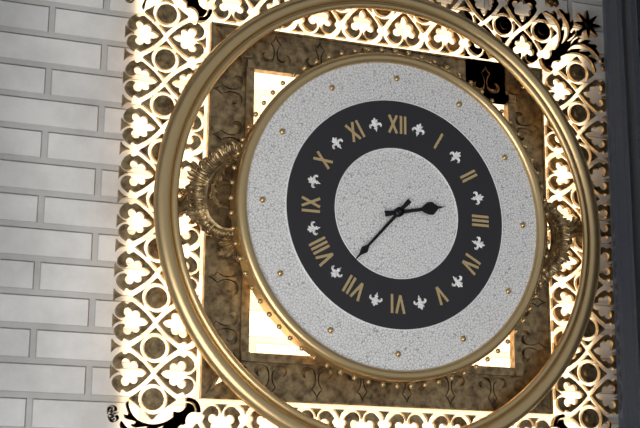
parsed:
2,37
